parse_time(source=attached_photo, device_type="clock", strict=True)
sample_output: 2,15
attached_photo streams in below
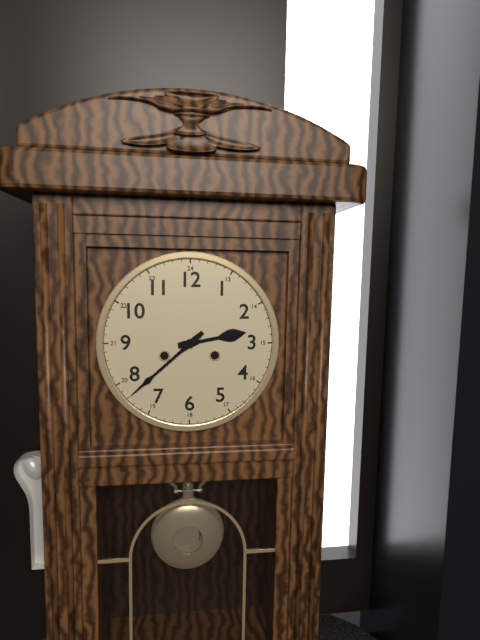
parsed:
2,38
